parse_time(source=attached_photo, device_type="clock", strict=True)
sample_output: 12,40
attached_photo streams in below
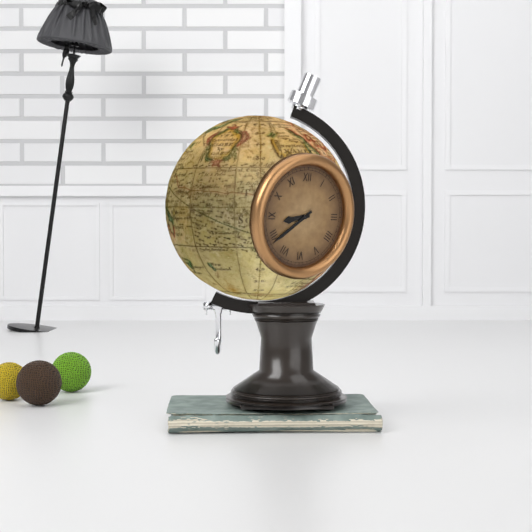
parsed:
8,39
